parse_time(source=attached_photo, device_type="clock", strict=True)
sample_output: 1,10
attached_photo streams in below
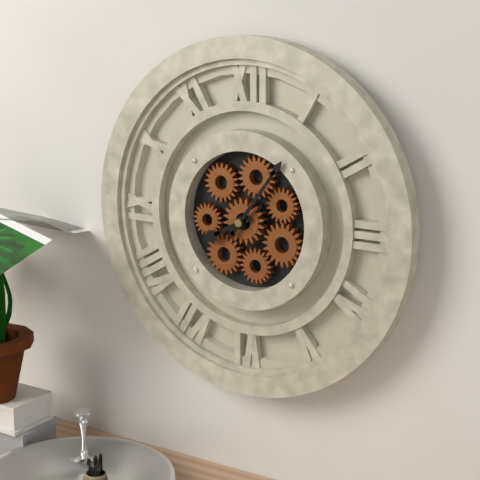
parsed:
8,06
